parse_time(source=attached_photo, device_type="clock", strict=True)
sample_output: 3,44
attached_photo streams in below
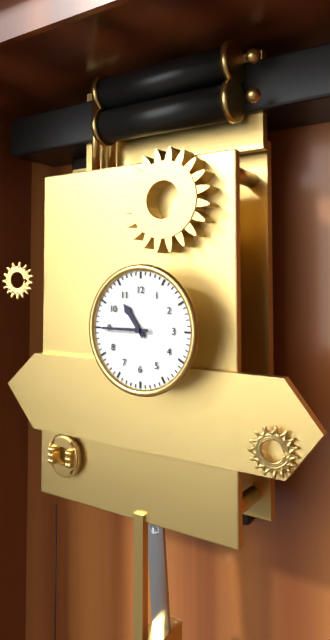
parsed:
10,45
